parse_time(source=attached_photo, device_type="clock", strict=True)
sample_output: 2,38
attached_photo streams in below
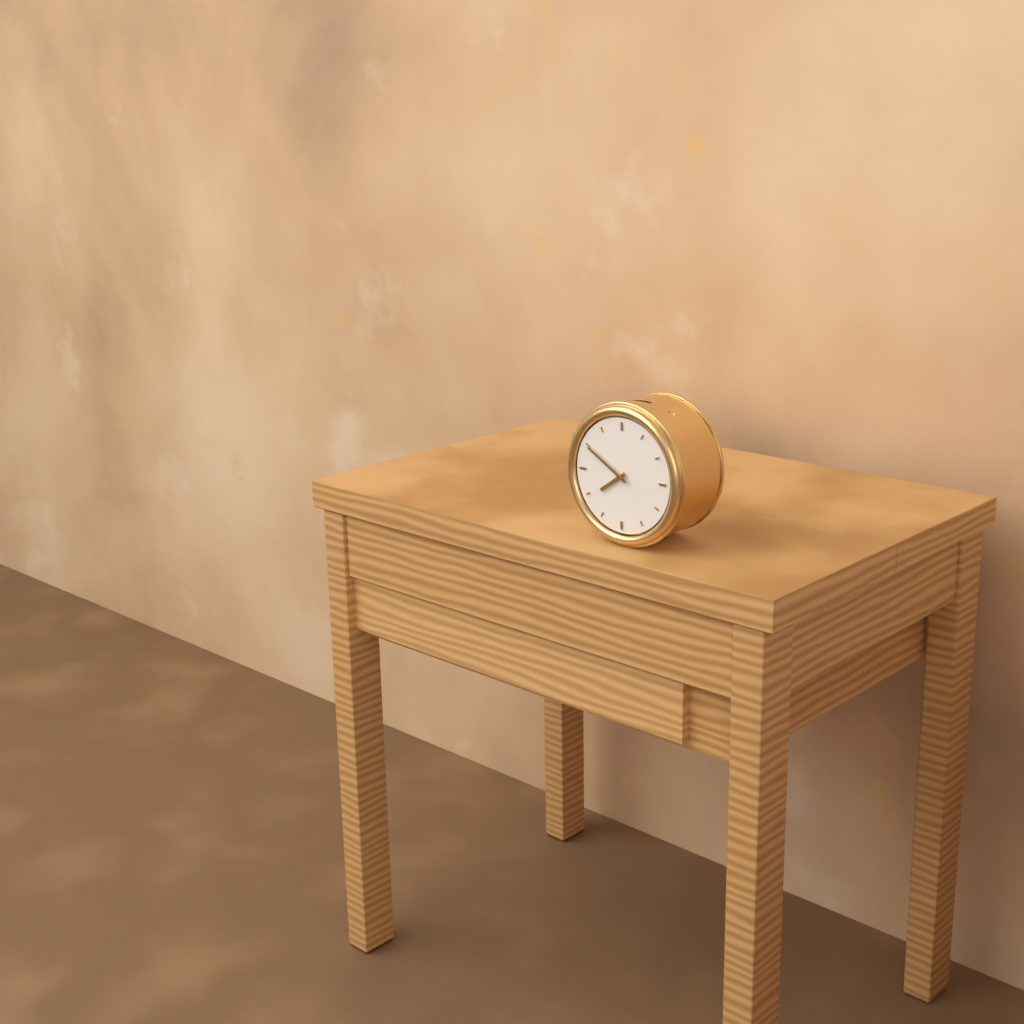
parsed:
7,50
